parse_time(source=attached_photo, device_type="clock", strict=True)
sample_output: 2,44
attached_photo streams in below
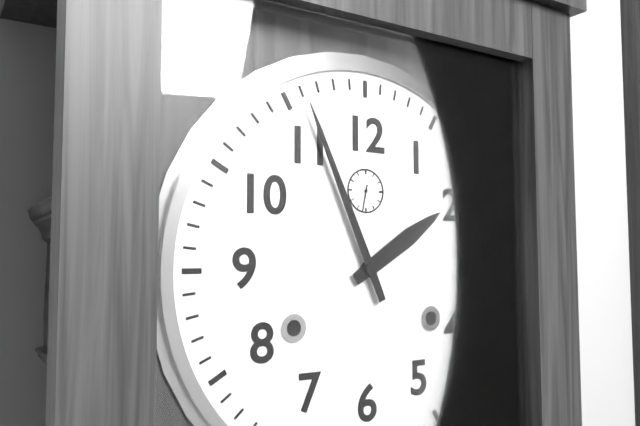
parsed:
1,56
